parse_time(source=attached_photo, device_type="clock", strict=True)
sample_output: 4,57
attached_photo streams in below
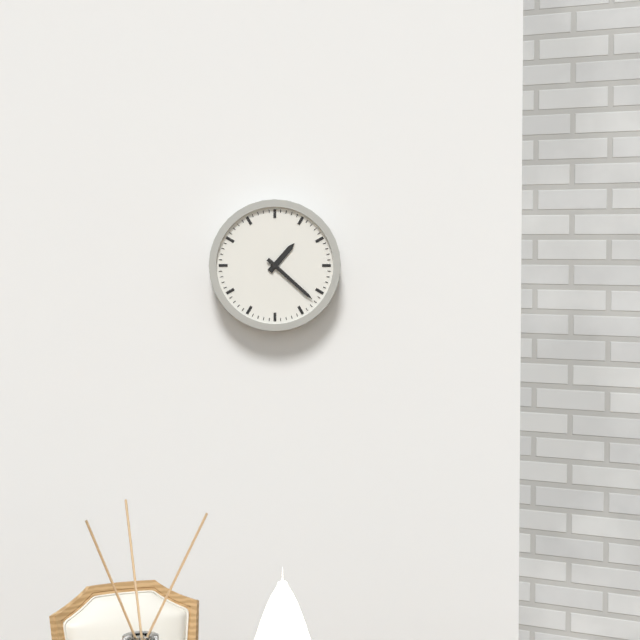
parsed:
1,22
